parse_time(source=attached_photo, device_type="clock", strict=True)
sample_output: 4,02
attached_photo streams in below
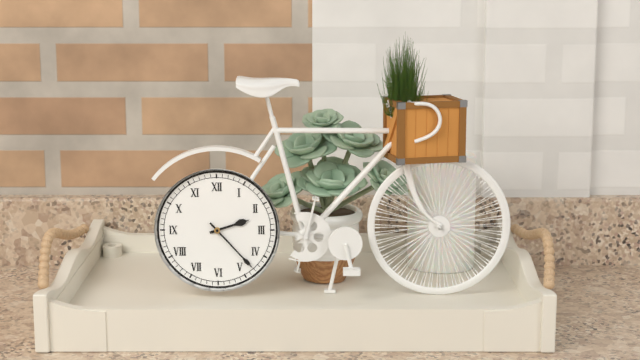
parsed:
2,23
